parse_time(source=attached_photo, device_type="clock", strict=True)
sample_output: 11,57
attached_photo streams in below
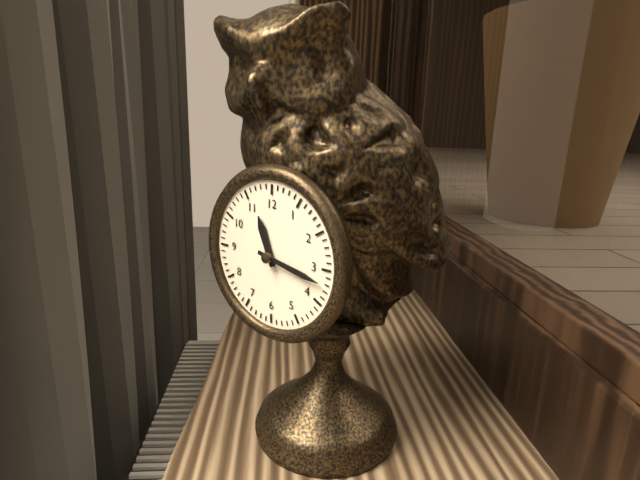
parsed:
11,17
